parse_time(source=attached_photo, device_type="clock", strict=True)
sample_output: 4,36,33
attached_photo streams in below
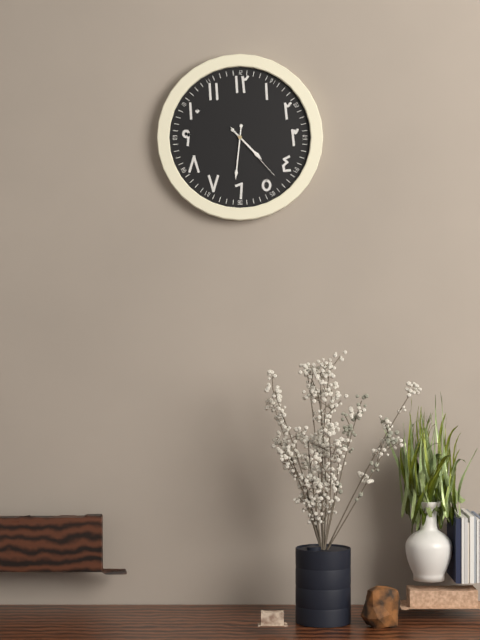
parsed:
4,31,23
